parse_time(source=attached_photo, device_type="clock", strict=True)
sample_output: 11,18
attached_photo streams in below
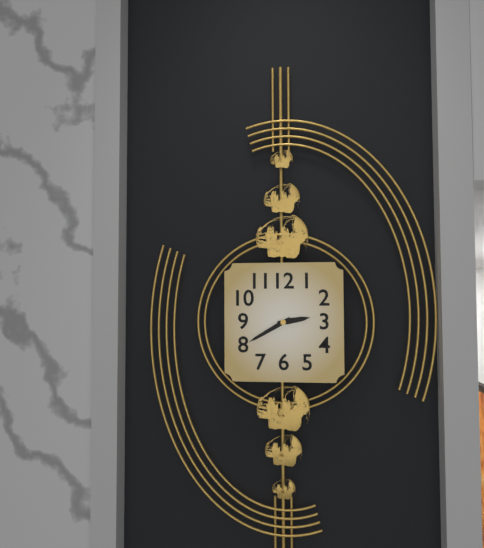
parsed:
2,40
